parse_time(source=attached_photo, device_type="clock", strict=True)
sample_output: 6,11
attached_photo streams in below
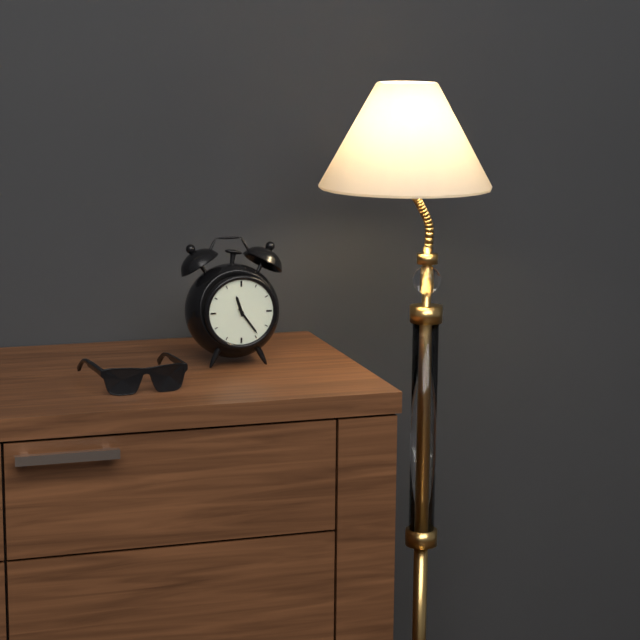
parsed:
11,24
